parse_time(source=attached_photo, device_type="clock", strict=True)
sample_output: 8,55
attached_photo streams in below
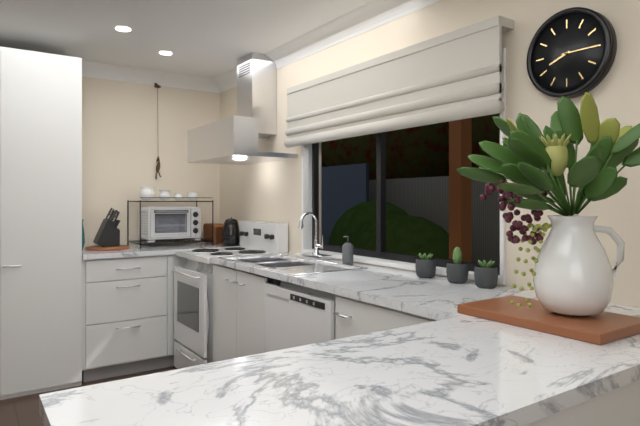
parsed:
8,15
